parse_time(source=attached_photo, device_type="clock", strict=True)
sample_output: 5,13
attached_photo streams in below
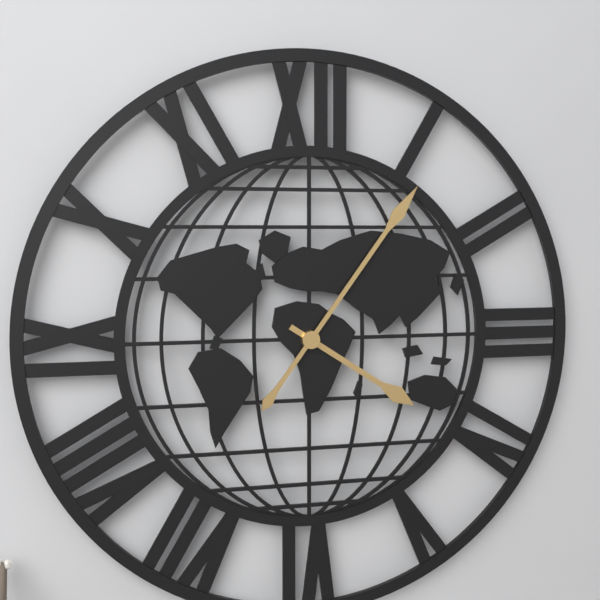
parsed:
4,06
